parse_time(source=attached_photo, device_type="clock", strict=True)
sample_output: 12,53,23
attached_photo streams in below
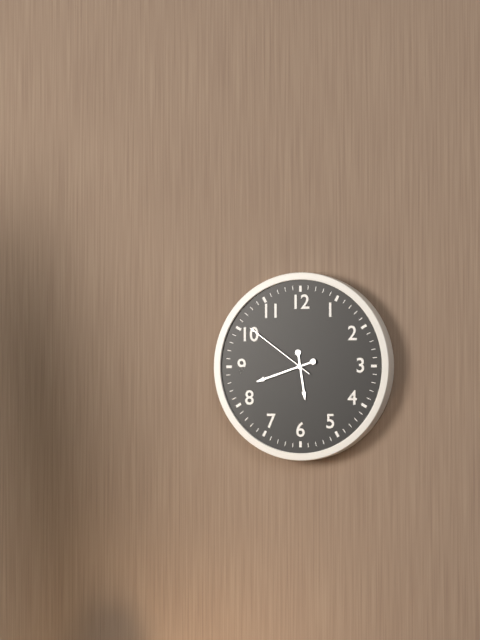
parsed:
5,42,51
